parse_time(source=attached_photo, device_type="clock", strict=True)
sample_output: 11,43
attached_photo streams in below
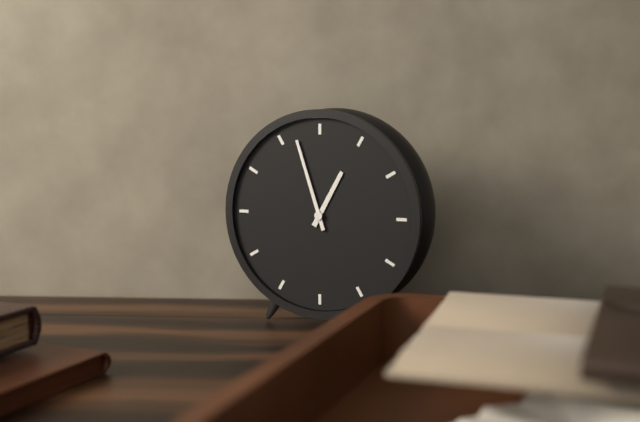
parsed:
12,57
